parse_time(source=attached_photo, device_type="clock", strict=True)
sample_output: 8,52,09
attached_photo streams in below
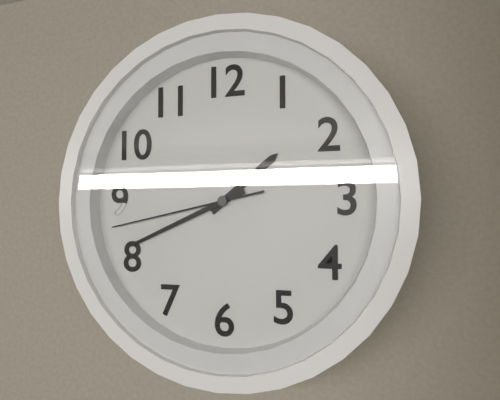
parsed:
1,41,43
